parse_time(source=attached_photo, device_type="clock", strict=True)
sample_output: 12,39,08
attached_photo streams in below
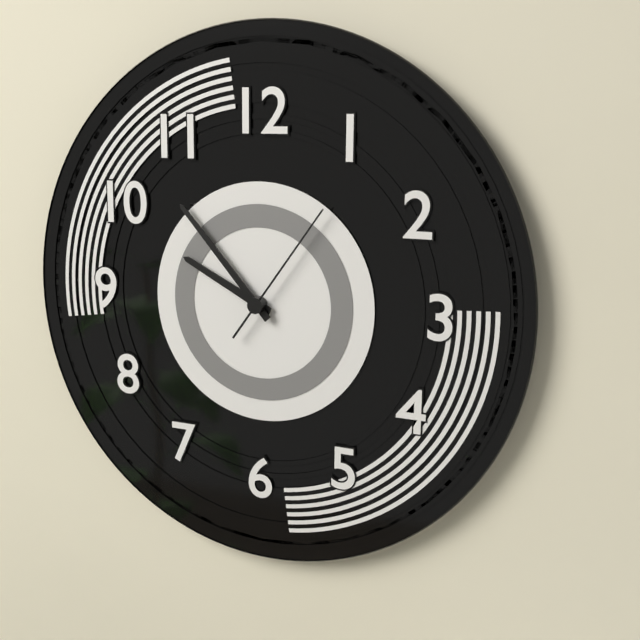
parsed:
9,53,06
